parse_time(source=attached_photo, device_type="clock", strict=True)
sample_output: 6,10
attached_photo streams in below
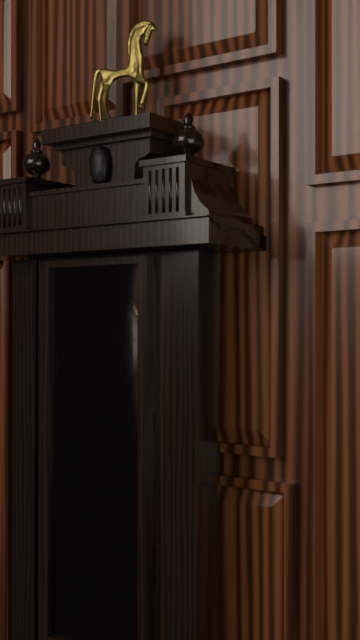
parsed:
5,19
